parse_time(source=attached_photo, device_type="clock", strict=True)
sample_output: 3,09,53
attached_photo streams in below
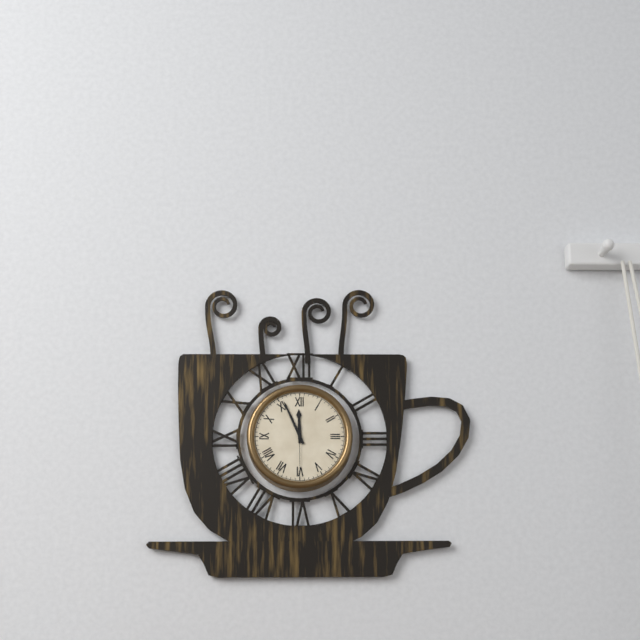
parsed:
11,56,30
